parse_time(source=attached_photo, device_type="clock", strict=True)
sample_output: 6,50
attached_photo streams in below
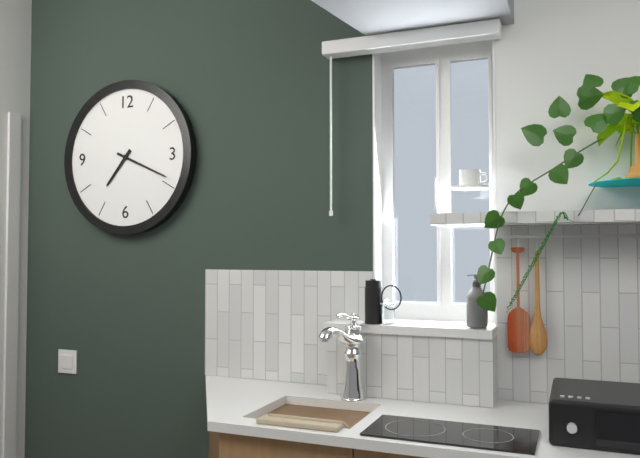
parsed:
7,19
